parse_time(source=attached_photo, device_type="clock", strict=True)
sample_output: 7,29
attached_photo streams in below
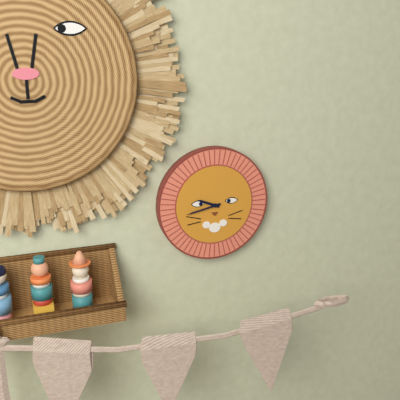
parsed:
9,43
